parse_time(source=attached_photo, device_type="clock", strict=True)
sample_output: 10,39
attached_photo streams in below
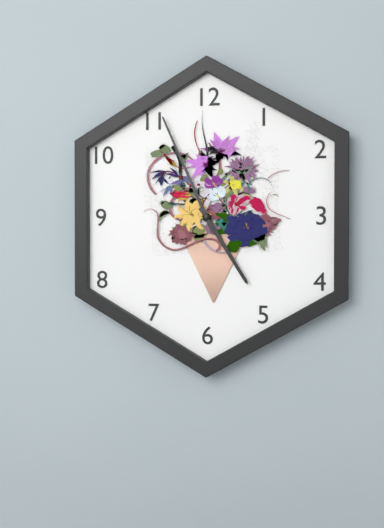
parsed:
4,56
